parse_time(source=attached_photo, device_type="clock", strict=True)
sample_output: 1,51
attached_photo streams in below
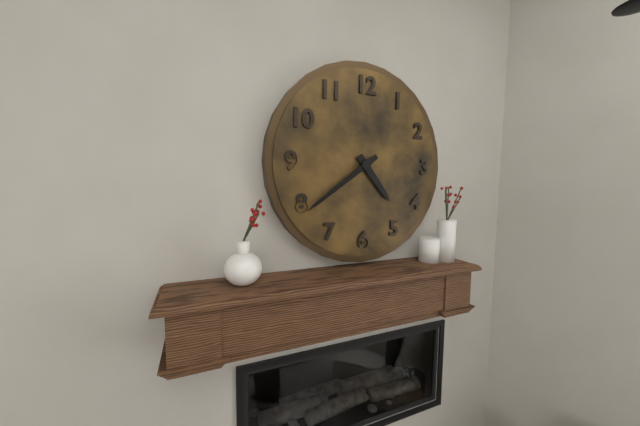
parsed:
4,39
